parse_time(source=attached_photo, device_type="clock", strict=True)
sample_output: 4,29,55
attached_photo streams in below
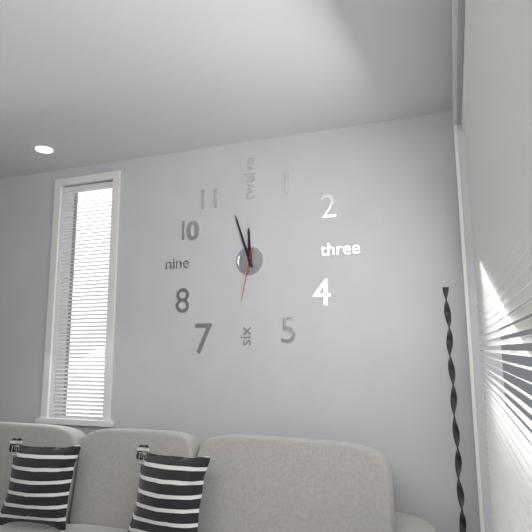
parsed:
11,57,32
